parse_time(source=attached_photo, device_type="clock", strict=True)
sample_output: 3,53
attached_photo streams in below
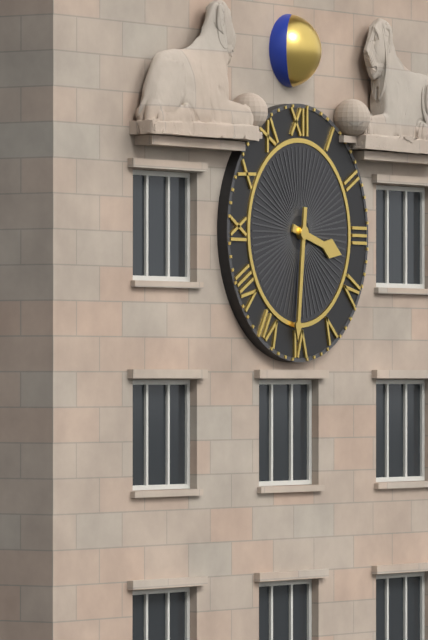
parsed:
3,31
